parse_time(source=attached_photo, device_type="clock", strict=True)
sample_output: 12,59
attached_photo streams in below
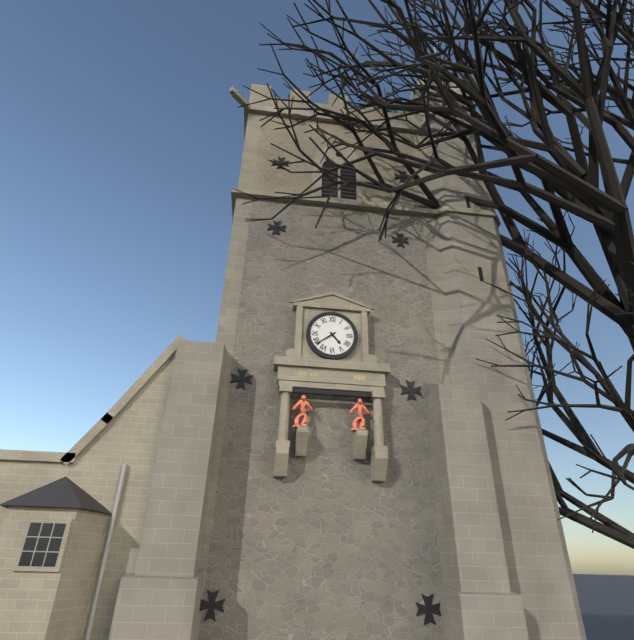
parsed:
4,39
